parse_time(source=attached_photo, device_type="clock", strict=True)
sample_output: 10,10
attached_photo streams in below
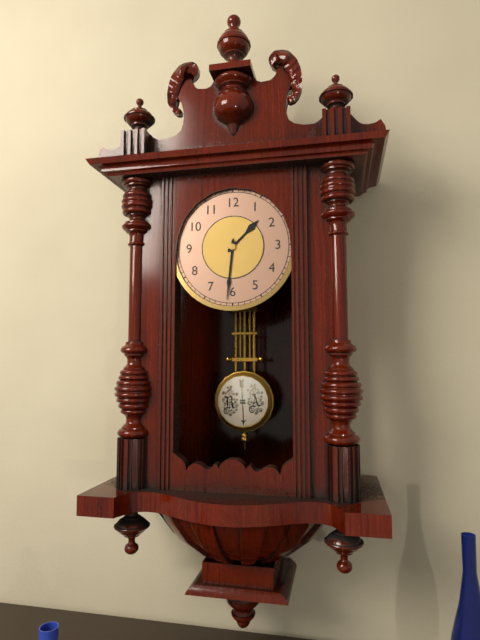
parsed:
1,31
